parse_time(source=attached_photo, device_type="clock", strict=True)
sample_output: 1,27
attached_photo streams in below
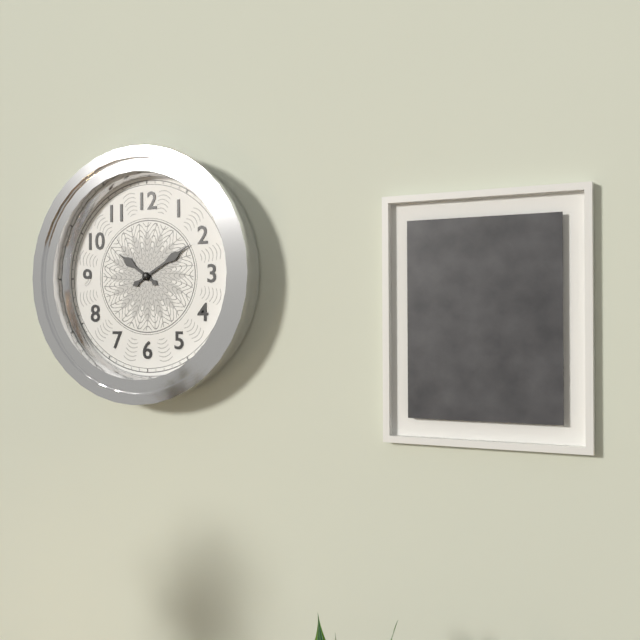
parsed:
10,10
